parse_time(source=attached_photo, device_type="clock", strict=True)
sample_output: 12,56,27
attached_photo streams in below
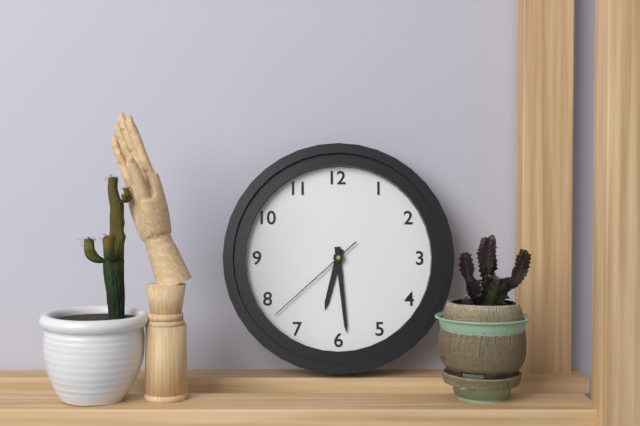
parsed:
6,29,38
